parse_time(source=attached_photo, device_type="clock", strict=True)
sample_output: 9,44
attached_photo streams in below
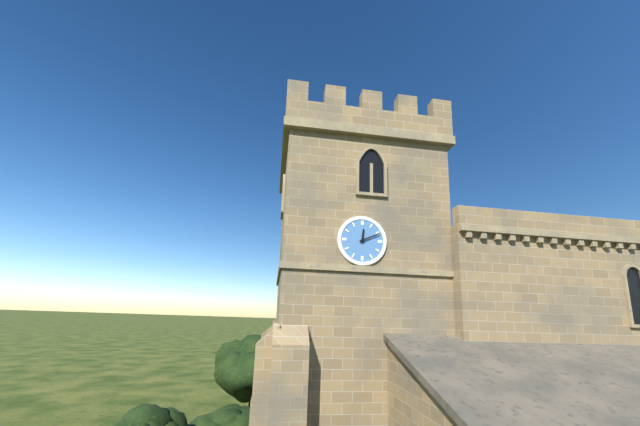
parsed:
12,11
